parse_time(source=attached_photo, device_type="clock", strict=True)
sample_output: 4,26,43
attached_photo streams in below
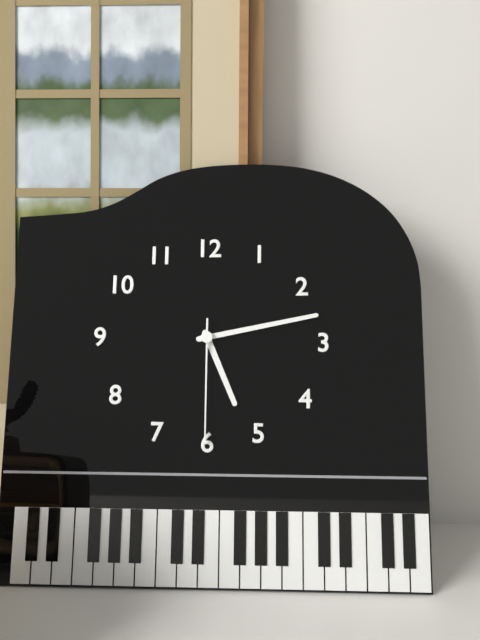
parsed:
5,13,30
